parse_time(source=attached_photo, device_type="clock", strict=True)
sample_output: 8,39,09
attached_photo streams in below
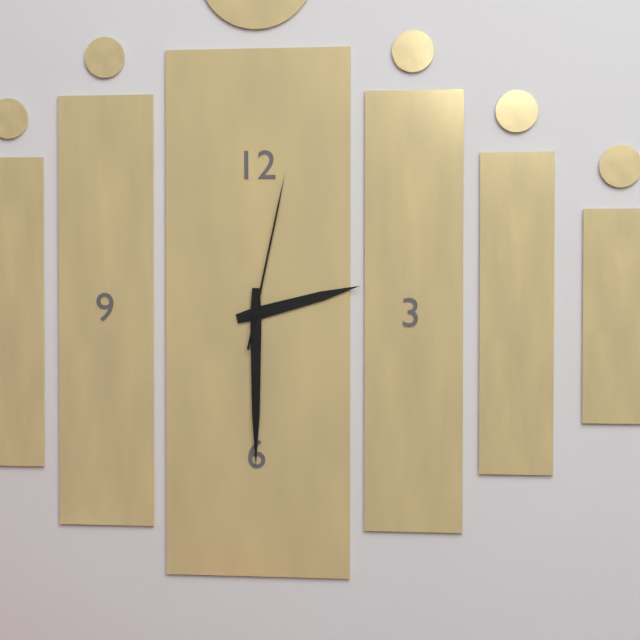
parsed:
2,30,02
